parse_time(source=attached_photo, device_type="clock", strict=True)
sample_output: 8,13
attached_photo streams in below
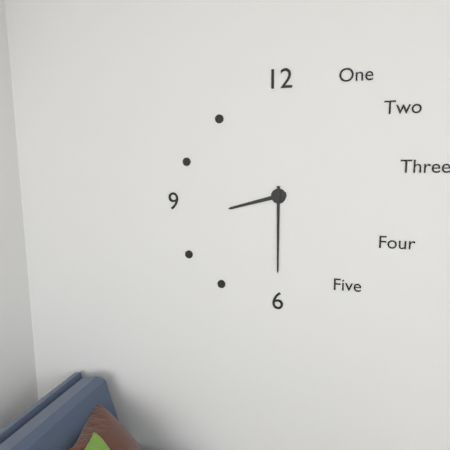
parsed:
8,30
